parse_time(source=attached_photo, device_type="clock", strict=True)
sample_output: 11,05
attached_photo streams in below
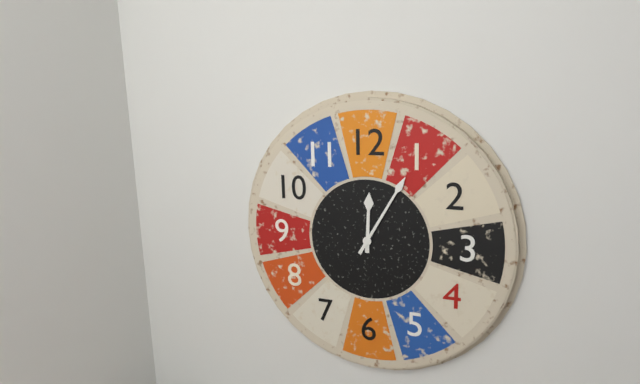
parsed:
12,05
